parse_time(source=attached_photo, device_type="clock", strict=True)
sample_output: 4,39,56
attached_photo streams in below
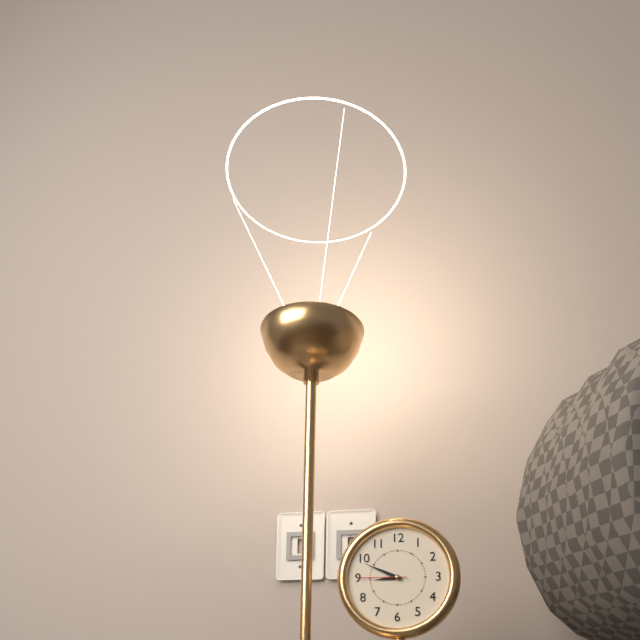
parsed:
8,49,45
